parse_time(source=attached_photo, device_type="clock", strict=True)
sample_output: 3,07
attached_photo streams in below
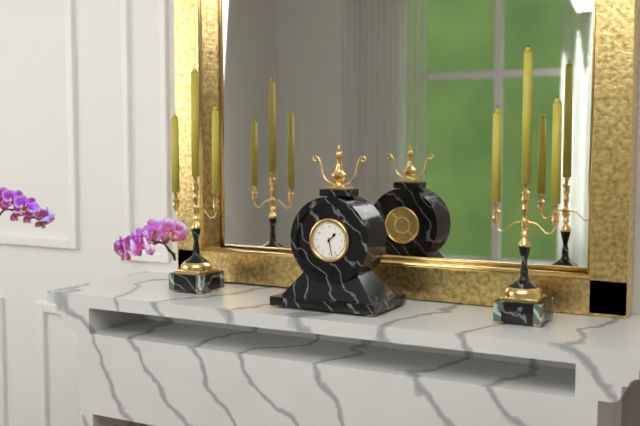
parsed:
1,28
